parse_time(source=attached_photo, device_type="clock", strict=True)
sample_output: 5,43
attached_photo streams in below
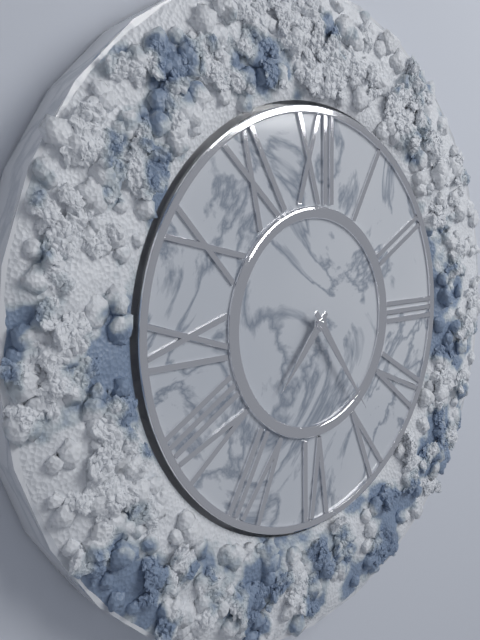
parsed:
7,24
